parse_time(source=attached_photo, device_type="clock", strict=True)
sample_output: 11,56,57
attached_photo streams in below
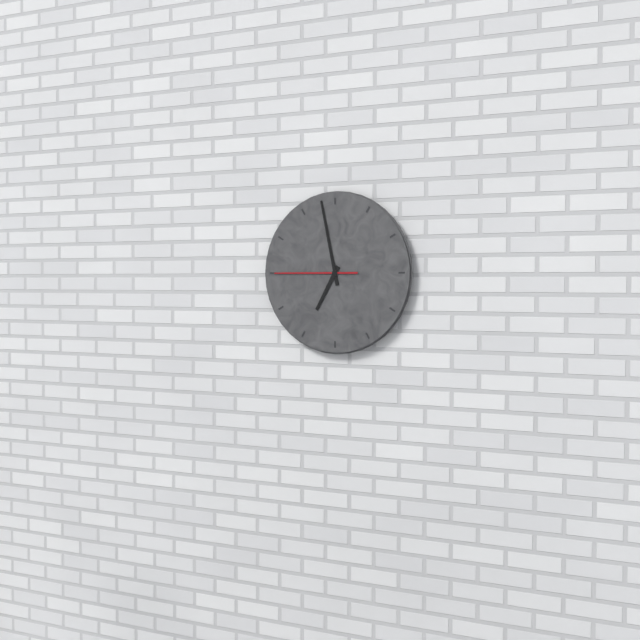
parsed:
6,58,45
